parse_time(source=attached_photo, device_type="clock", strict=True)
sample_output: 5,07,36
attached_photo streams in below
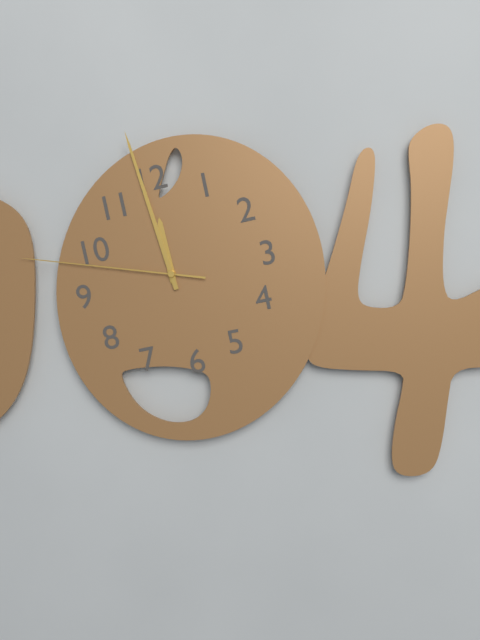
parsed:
11,59,48
